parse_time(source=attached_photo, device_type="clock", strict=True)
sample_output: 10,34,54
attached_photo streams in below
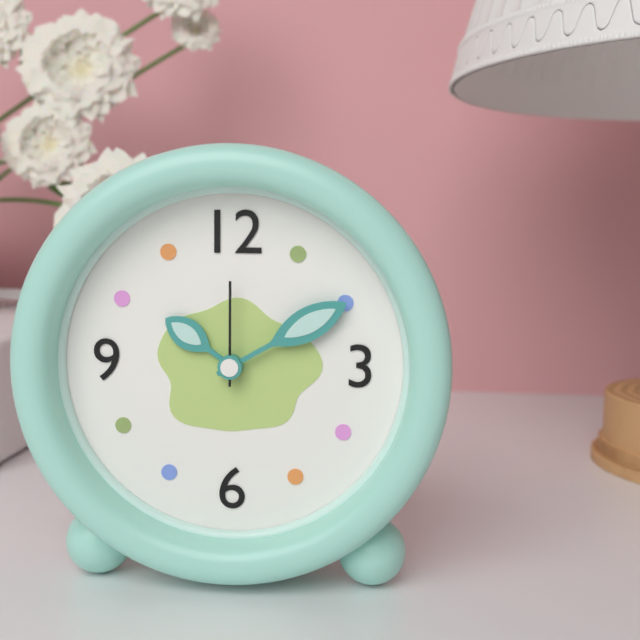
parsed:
10,10,00
